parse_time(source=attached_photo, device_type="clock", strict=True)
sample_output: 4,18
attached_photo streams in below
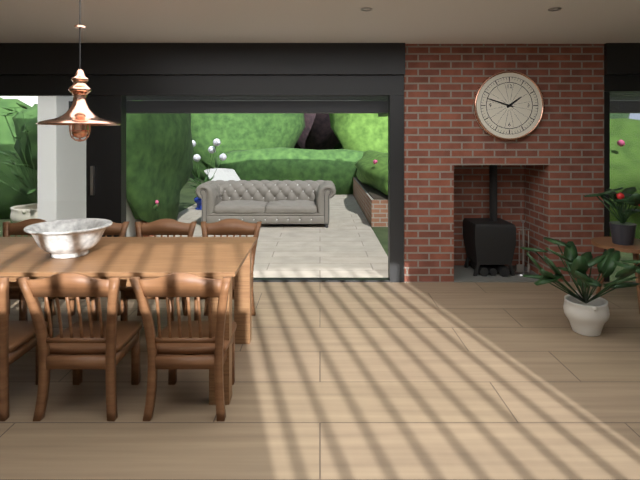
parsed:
1,48
